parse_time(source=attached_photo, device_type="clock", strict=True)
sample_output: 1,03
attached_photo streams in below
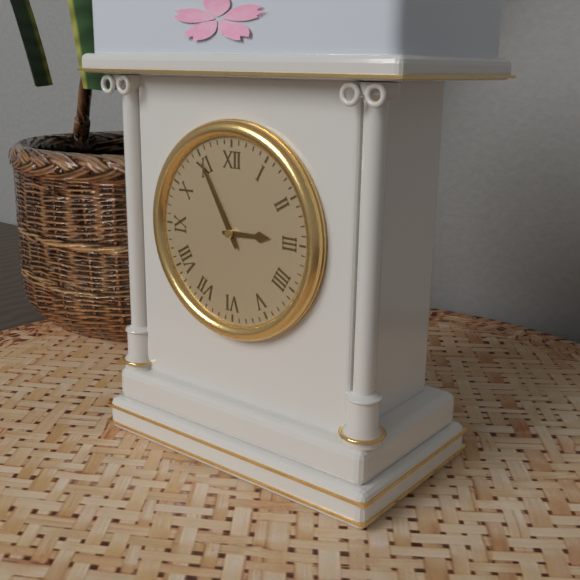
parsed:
2,55
